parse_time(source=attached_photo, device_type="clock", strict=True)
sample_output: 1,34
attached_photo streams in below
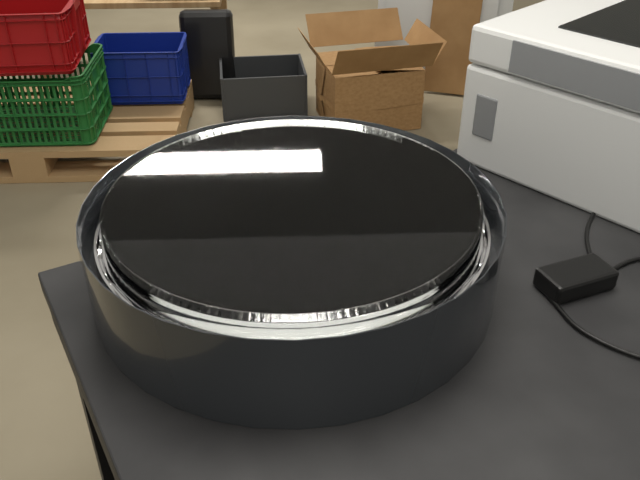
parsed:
8,50
